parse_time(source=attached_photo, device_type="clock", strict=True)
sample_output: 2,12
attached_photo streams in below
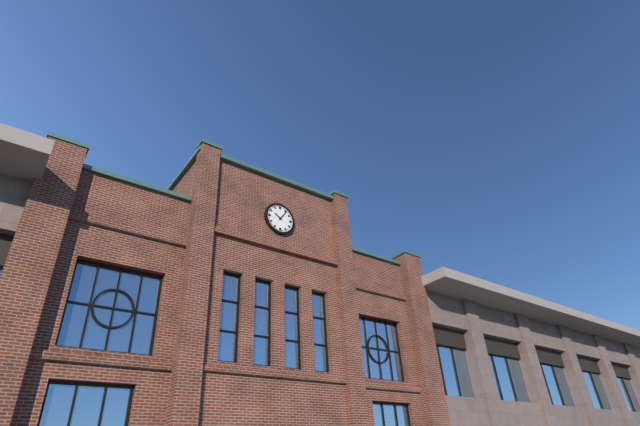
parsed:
10,06
